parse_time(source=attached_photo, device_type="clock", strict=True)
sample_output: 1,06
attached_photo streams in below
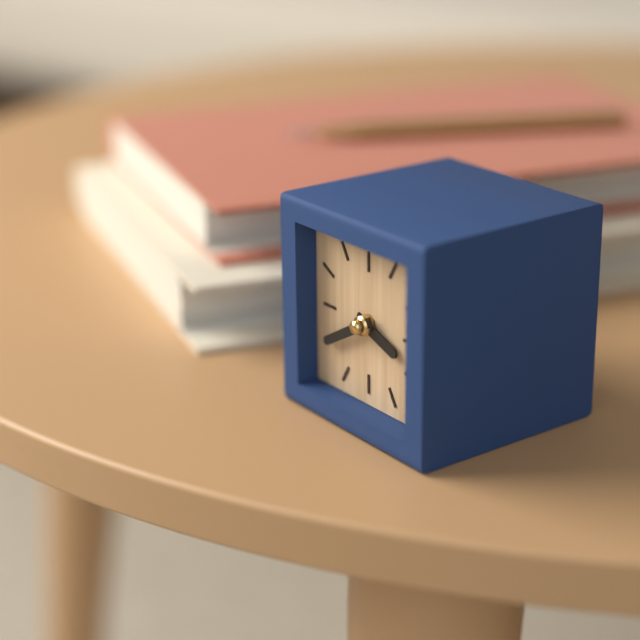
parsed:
3,40
